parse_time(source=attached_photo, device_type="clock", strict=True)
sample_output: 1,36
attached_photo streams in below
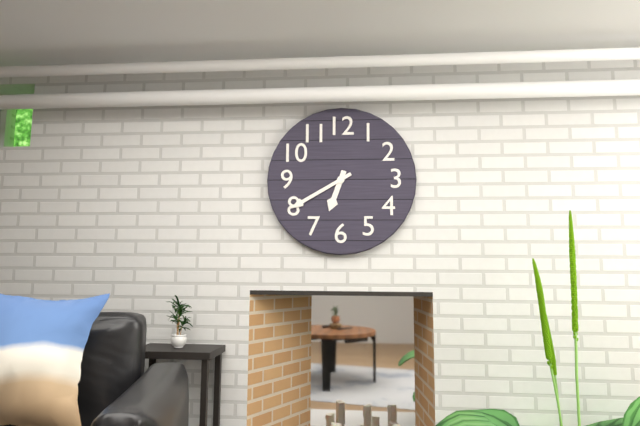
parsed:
6,40
